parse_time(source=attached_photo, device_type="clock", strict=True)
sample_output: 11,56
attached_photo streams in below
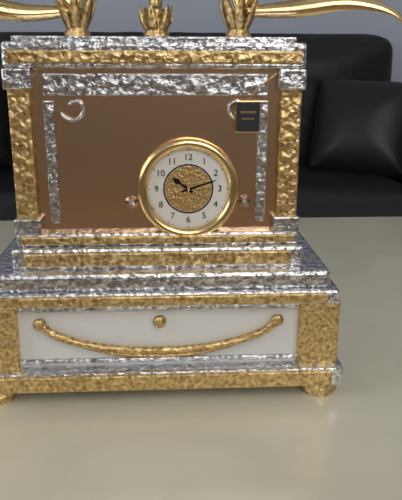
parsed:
10,12
